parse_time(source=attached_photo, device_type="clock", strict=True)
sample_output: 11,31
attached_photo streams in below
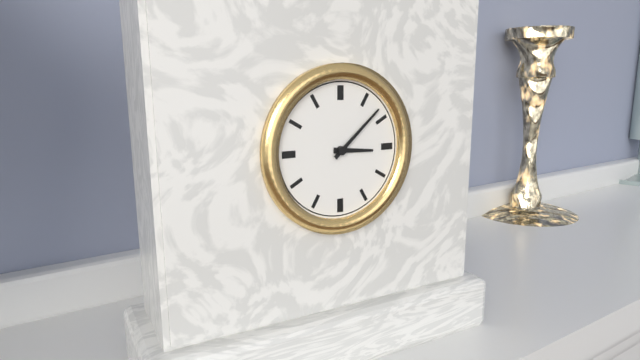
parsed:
3,08
